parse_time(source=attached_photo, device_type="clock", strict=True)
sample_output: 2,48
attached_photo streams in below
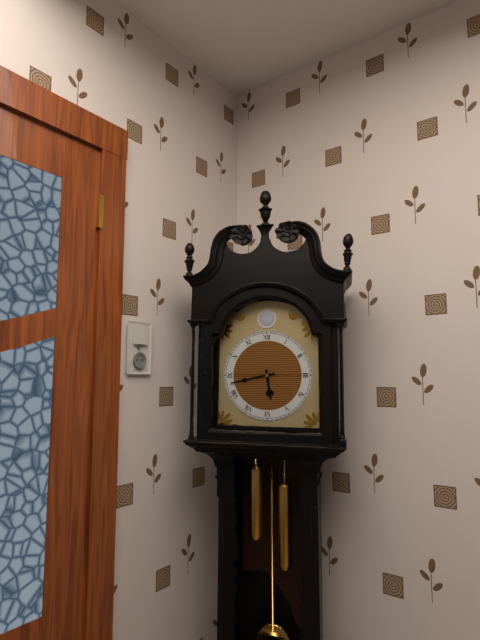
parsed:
5,43
